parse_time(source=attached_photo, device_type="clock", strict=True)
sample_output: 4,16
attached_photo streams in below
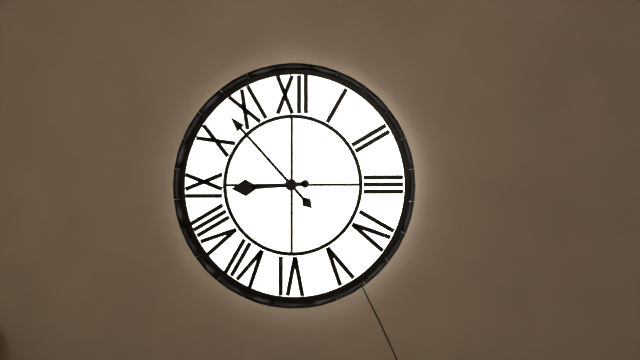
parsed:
8,53
